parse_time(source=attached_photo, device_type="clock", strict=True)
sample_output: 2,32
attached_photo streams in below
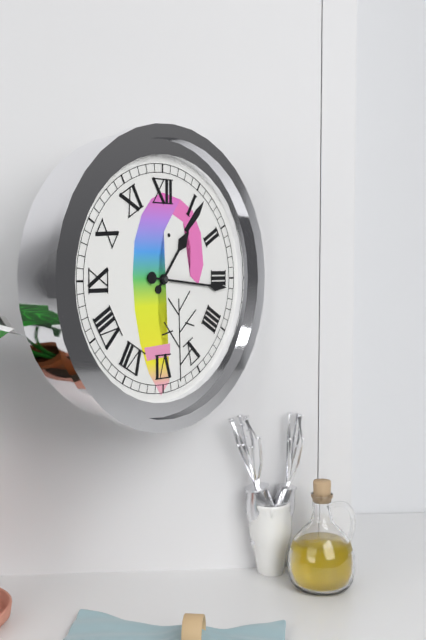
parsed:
1,16
